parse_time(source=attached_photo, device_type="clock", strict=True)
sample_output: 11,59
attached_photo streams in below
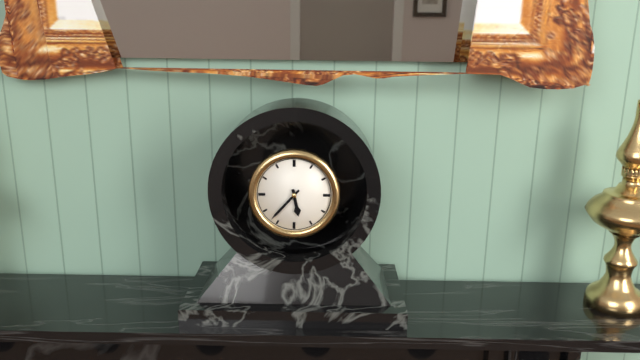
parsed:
5,37
